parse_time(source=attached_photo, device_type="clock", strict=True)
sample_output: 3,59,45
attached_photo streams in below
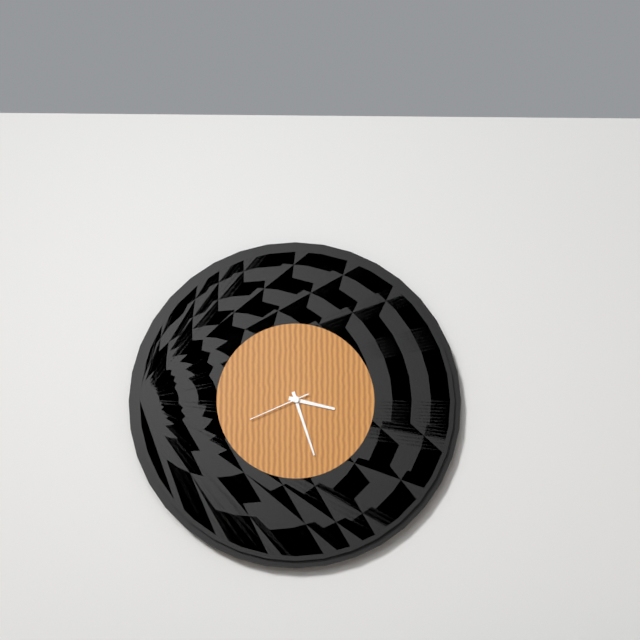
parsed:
3,27,41
